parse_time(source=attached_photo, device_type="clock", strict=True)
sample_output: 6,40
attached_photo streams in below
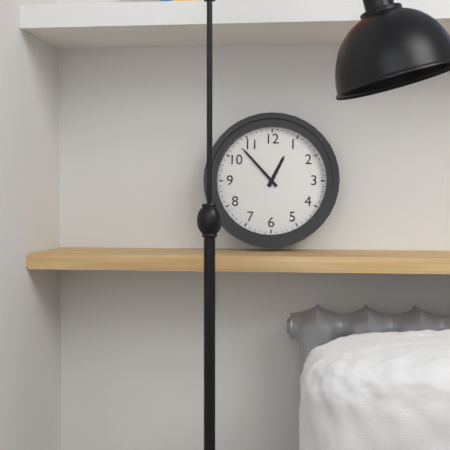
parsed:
12,53
